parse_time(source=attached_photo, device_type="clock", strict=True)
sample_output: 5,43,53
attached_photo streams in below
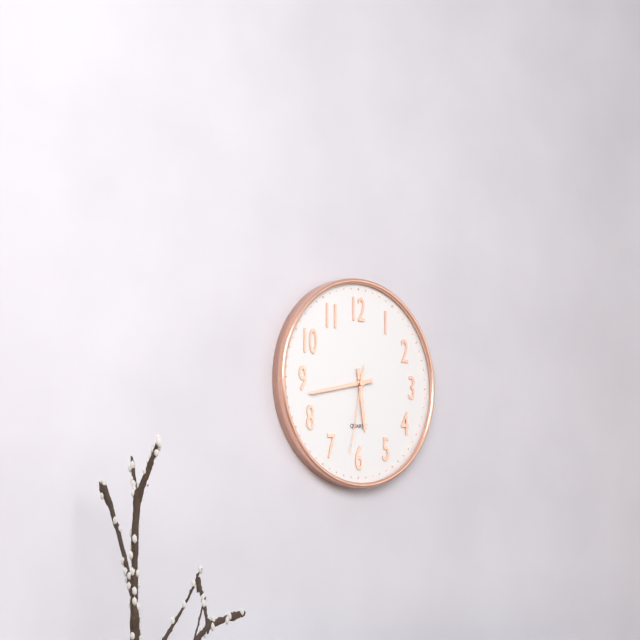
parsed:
5,43,32
